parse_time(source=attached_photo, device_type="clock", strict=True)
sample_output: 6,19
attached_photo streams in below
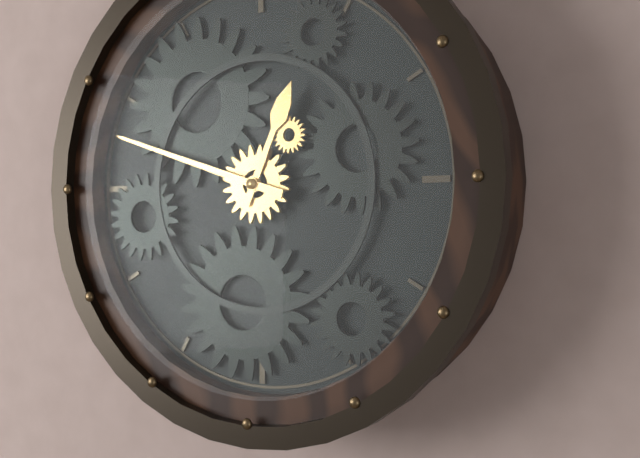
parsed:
12,48
